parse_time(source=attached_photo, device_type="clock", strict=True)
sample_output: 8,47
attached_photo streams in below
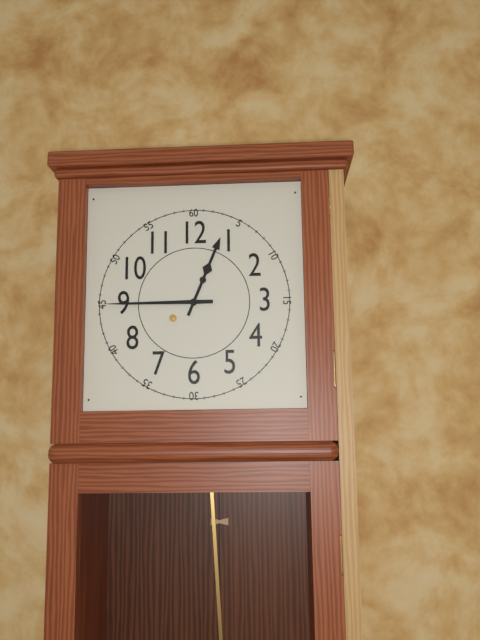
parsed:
12,45
